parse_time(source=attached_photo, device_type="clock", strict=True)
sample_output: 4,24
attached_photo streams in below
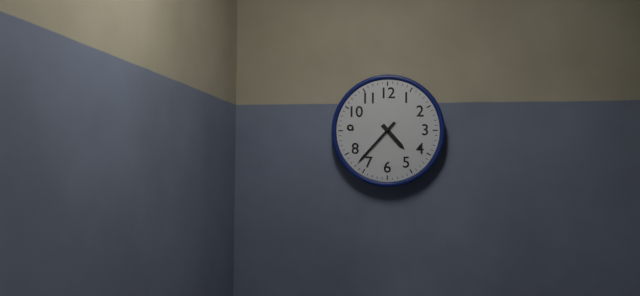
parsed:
4,37
